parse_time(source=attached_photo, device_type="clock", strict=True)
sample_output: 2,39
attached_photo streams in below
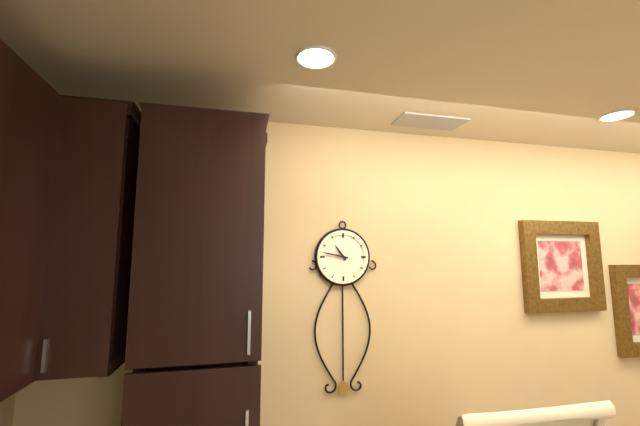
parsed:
10,47
